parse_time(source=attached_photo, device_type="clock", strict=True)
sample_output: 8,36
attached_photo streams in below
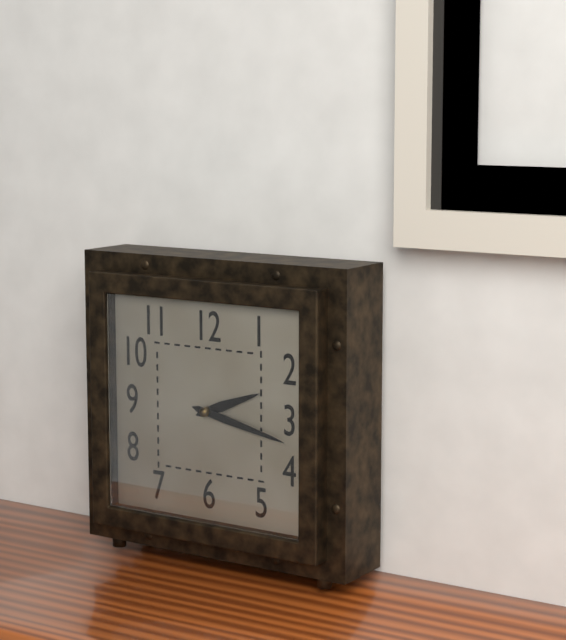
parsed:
2,17
